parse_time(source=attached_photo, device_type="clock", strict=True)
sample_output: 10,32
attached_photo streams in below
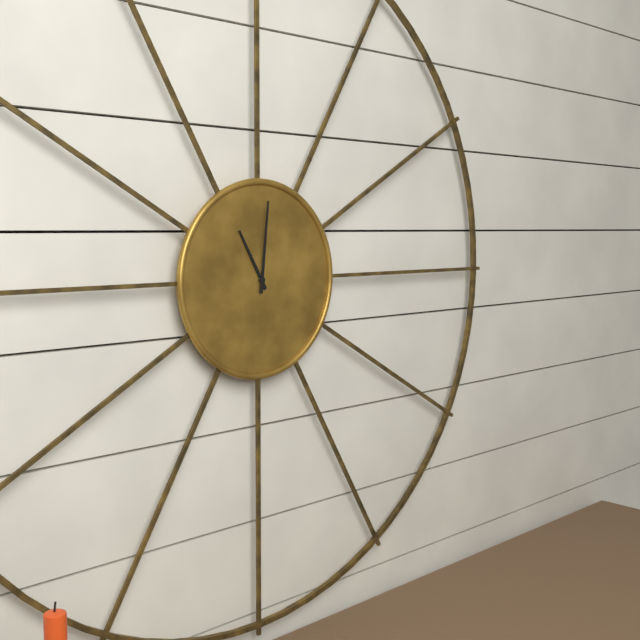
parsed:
11,01
